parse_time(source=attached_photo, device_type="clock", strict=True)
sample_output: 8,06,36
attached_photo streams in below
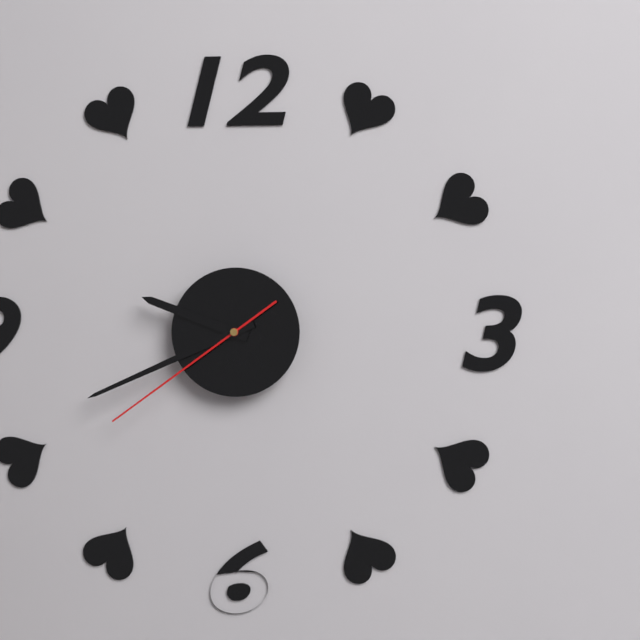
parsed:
9,41,39
